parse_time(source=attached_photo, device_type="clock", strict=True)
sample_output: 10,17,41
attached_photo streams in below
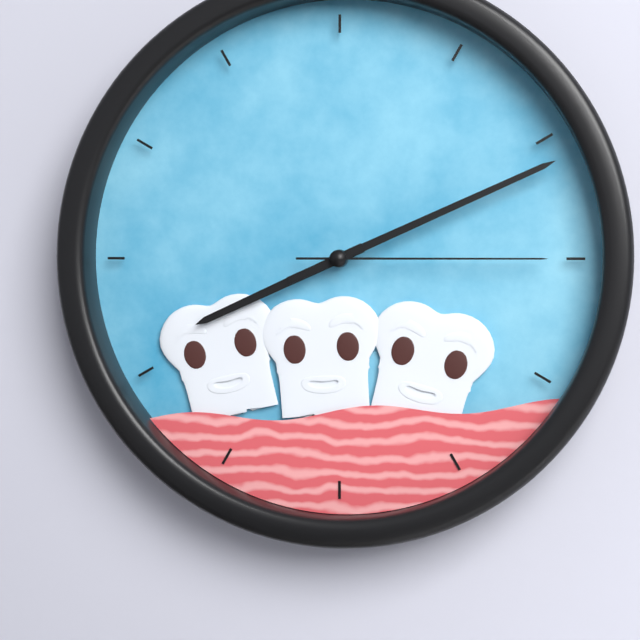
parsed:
8,11,15
